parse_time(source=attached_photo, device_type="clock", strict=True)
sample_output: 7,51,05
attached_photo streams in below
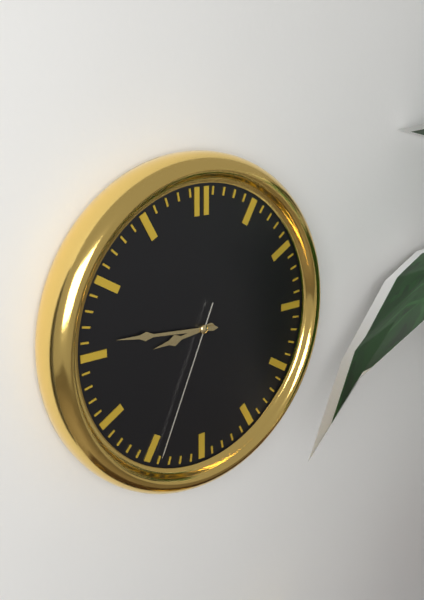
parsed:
8,46,34
